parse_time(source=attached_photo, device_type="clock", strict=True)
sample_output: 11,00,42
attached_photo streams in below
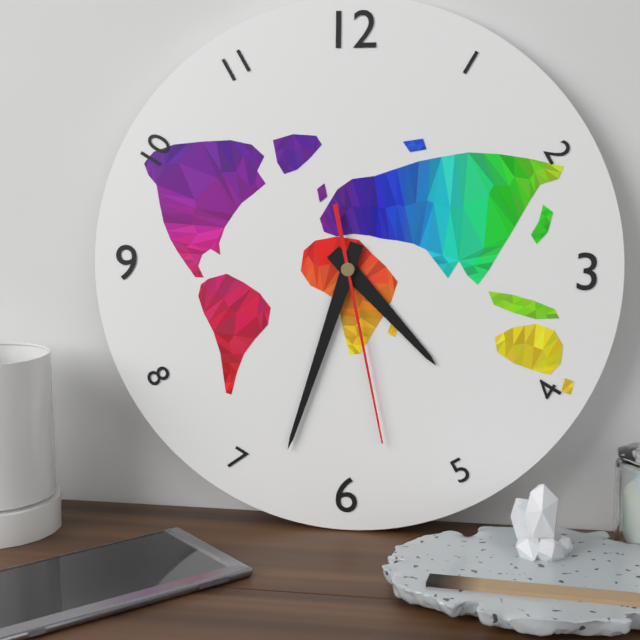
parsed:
4,33,28
